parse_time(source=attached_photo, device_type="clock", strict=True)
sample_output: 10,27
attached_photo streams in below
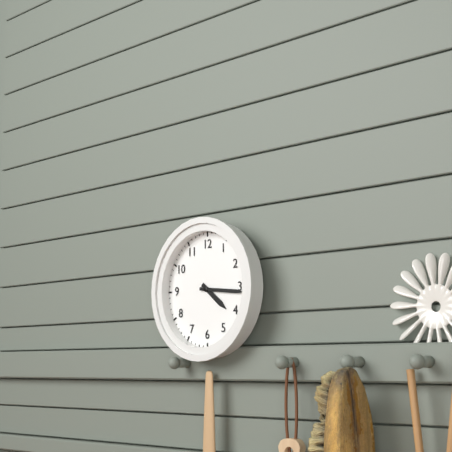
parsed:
4,16
